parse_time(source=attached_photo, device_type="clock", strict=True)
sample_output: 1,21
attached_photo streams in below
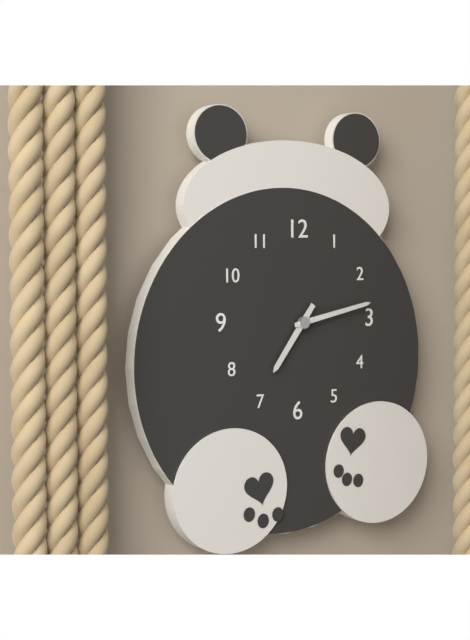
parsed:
7,13
